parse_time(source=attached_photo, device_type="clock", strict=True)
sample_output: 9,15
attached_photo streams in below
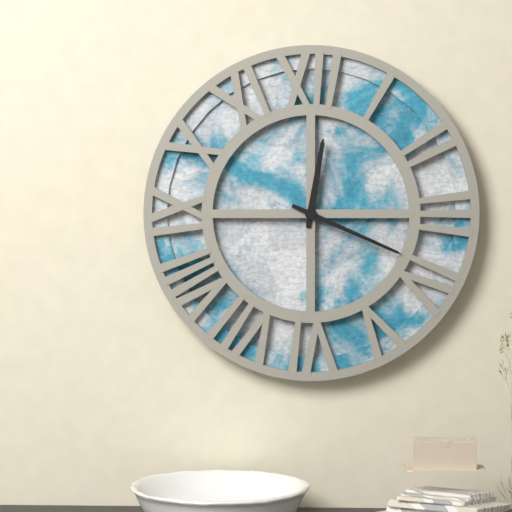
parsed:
12,19
